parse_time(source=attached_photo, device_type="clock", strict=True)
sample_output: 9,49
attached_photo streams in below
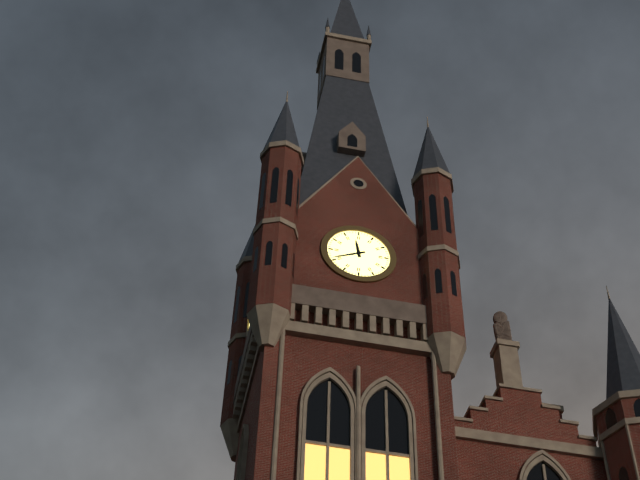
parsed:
11,41
